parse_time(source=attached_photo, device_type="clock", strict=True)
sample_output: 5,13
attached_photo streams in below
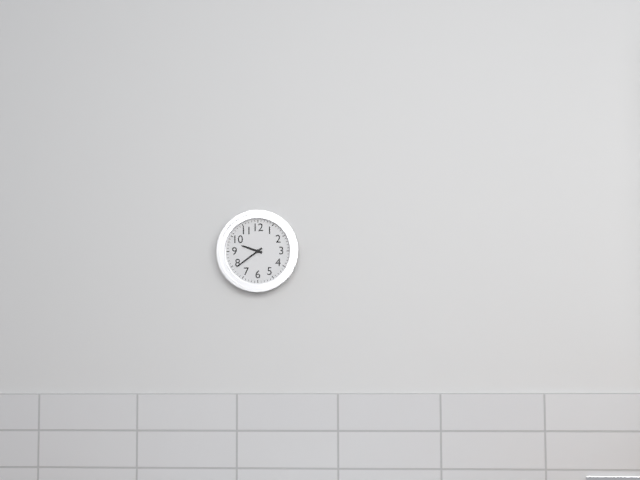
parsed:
9,39
